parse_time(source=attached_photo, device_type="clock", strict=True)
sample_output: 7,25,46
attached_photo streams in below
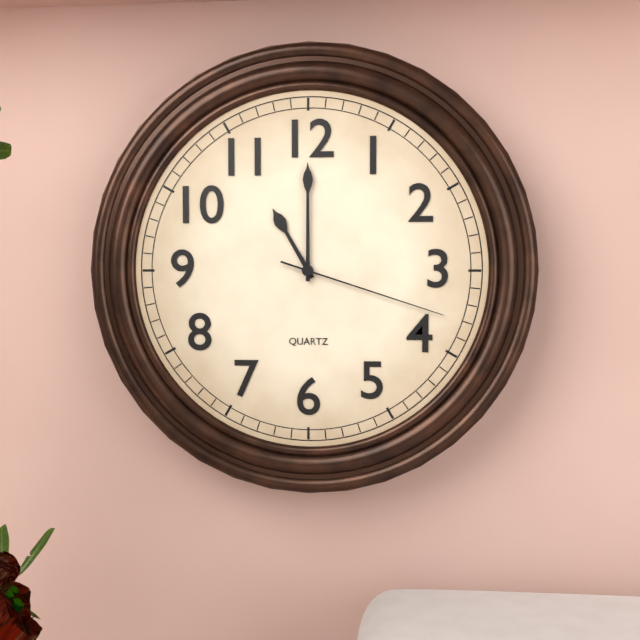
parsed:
11,00,18
